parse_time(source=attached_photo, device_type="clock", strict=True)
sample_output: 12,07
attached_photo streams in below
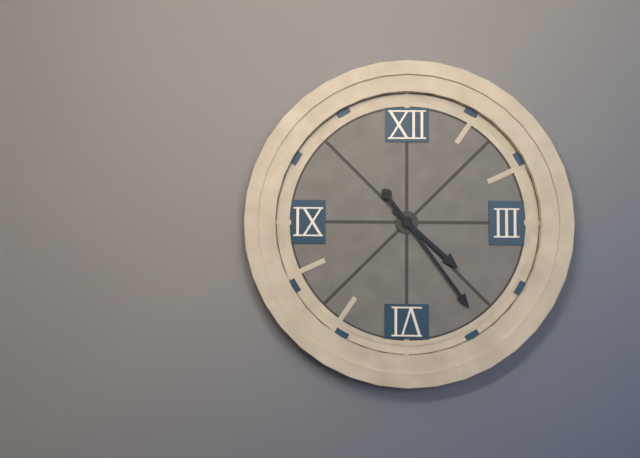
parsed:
4,24
